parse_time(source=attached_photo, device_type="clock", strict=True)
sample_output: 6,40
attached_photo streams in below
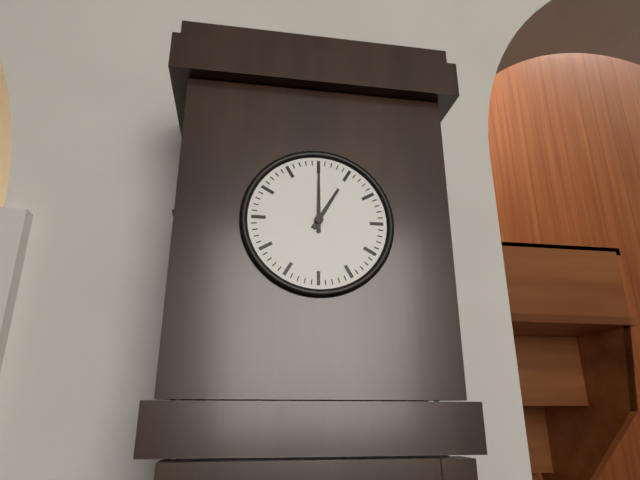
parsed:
1,00
